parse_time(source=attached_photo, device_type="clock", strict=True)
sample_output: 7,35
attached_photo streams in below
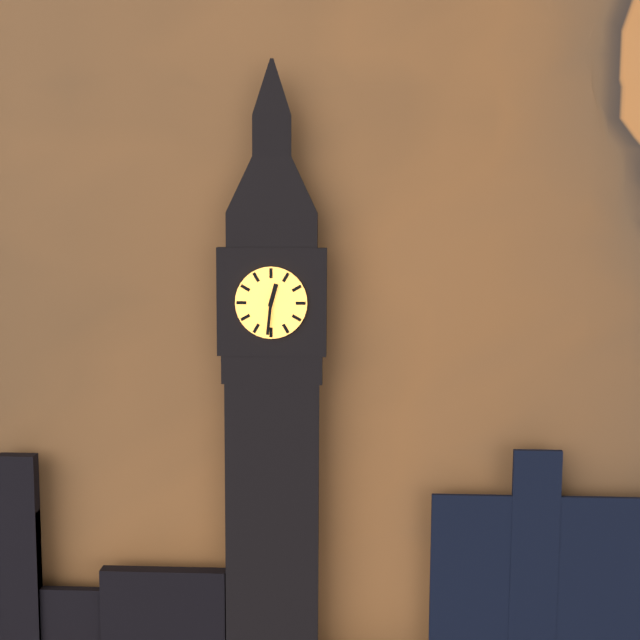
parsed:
12,31
